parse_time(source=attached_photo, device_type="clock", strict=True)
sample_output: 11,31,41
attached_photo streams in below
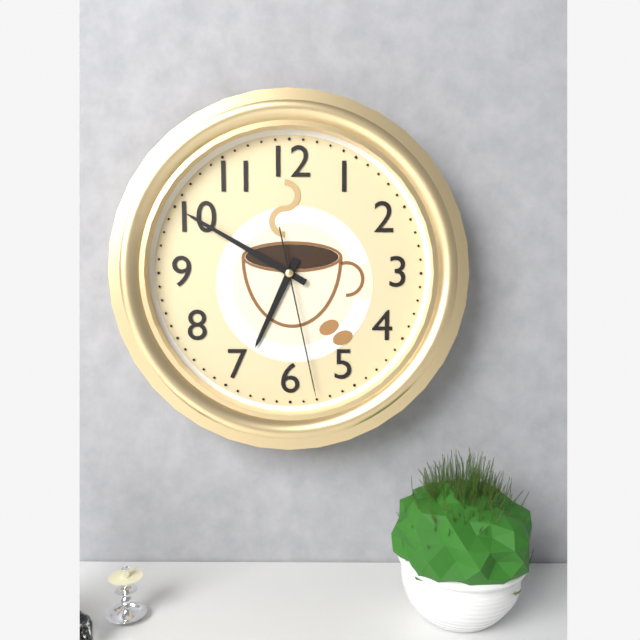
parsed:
6,50,28
